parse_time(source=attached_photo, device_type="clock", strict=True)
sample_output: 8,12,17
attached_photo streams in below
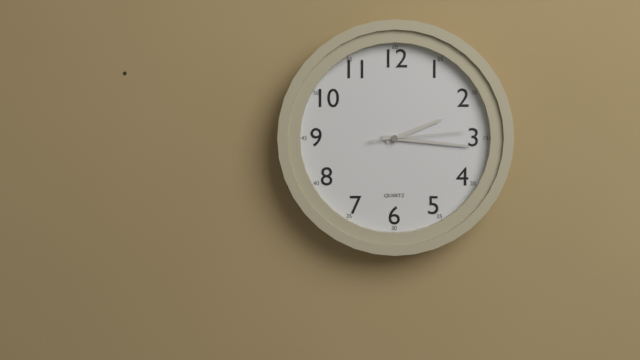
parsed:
2,16,14
